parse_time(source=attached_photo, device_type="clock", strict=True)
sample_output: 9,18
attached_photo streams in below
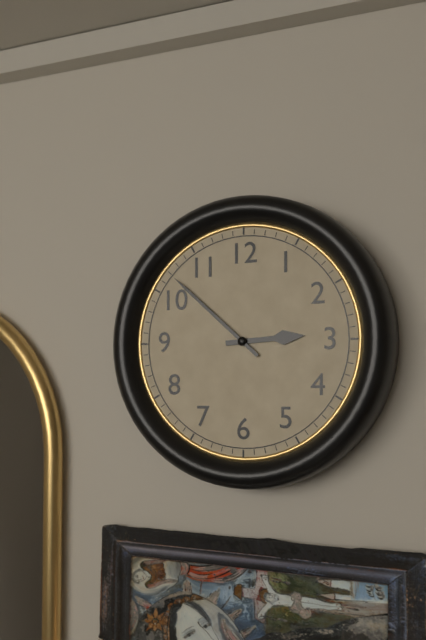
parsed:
2,52
